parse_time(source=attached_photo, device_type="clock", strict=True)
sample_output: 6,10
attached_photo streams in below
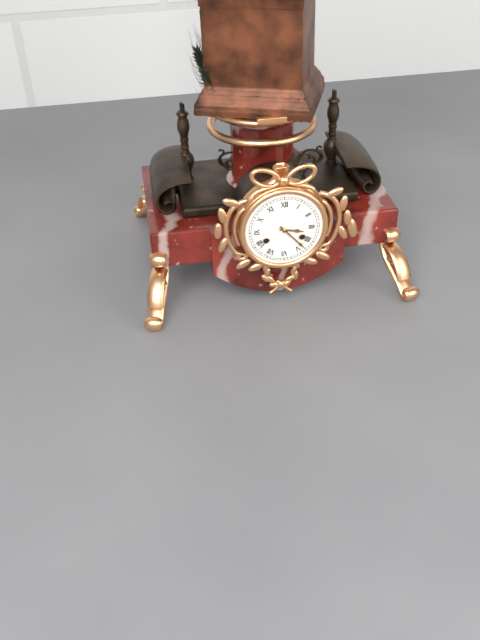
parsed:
3,23
